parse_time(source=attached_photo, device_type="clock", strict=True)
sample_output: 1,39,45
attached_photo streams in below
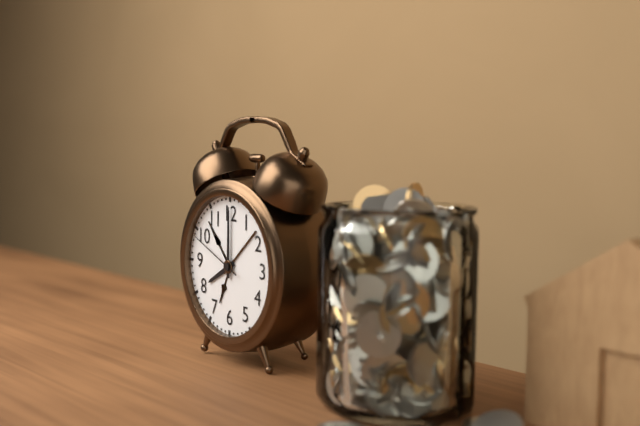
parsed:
8,00,49
